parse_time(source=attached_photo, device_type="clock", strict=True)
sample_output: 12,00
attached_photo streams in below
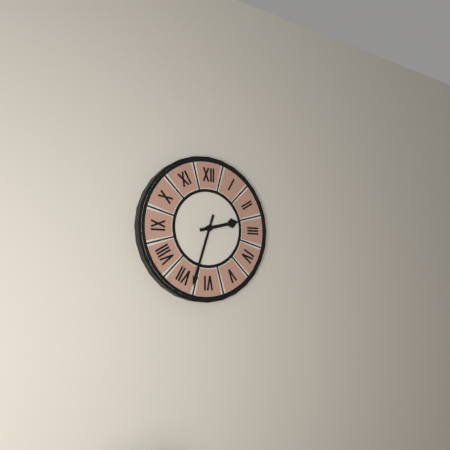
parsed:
2,33
